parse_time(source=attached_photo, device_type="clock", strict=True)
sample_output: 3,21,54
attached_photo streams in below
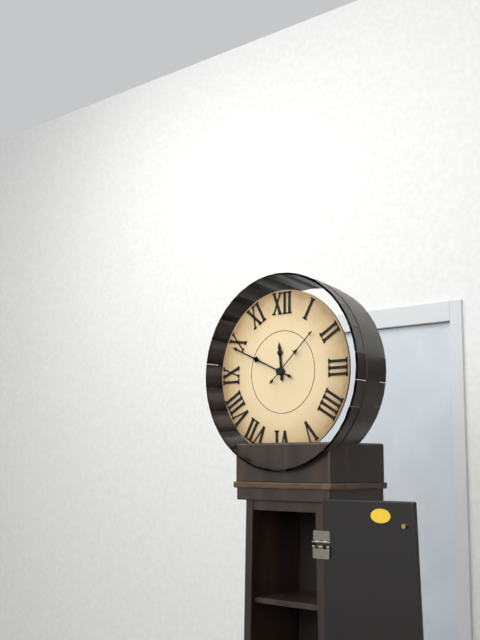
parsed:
11,49,08
